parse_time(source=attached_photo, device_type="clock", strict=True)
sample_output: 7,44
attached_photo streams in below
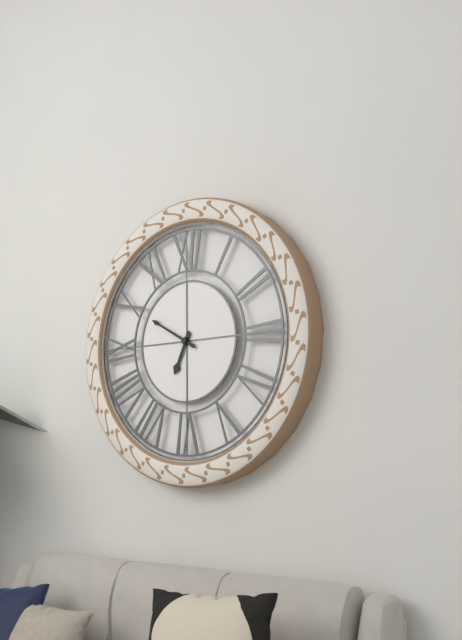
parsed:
6,50
